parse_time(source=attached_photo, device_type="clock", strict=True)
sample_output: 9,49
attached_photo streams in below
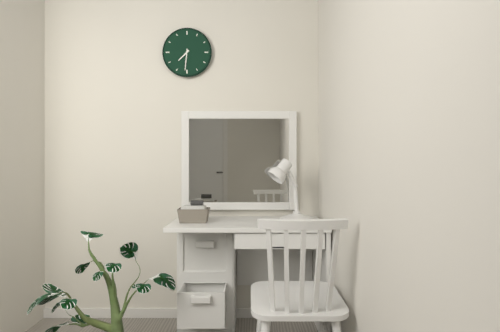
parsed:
7,31
